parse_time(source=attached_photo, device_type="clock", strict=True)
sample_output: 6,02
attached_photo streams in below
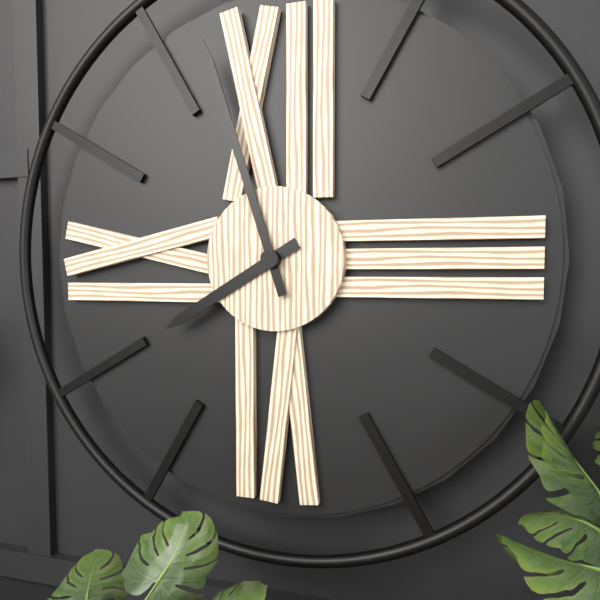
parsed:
7,57
